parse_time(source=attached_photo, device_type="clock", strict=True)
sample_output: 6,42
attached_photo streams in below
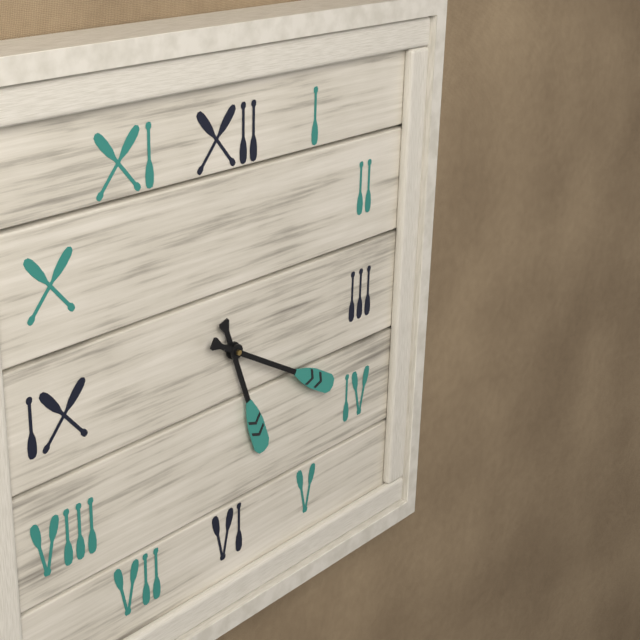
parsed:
5,20
